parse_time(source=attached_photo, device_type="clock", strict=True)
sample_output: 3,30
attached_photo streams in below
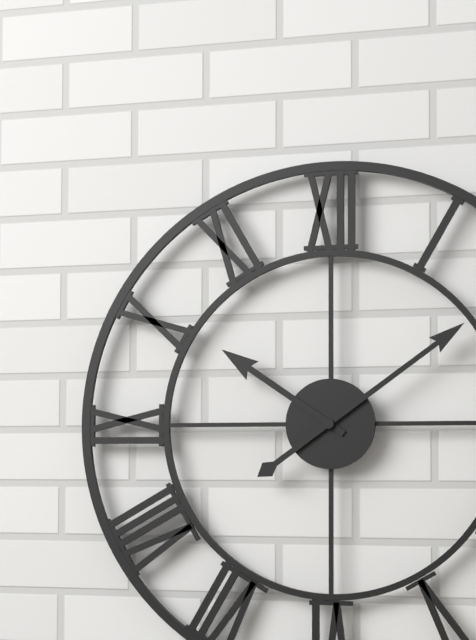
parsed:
10,09
